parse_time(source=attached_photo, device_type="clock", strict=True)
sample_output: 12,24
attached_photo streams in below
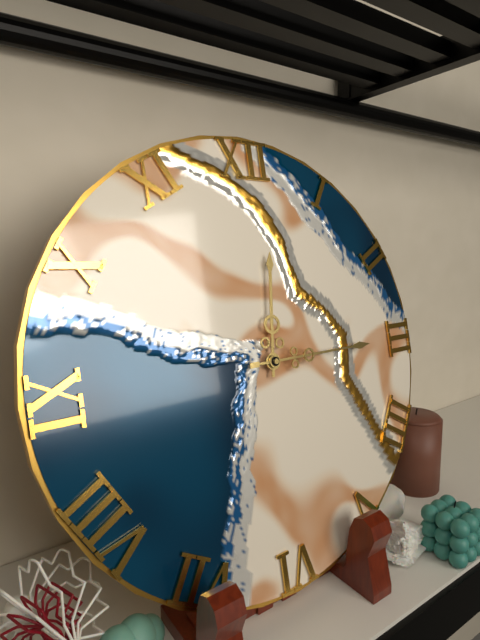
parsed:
12,15
